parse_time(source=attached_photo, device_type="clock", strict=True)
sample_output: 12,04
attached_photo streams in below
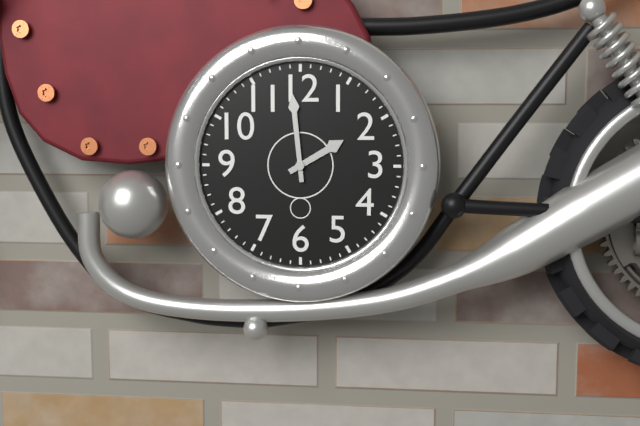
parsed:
1,59
